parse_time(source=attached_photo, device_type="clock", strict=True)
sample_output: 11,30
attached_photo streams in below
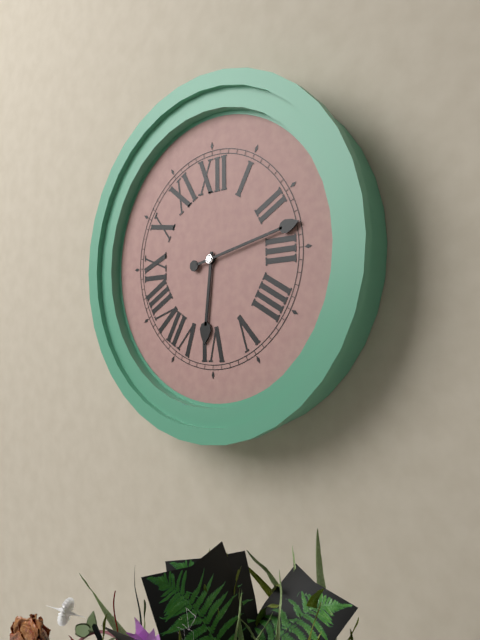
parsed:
6,13
